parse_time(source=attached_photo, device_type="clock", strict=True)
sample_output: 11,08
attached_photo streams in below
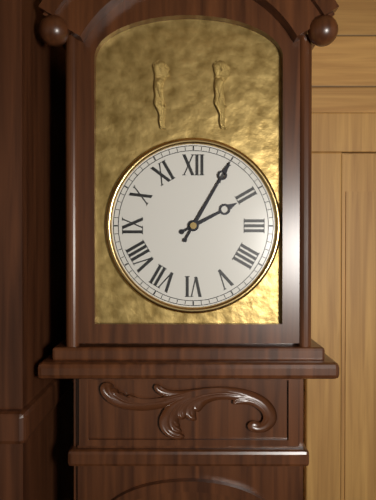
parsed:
2,05
